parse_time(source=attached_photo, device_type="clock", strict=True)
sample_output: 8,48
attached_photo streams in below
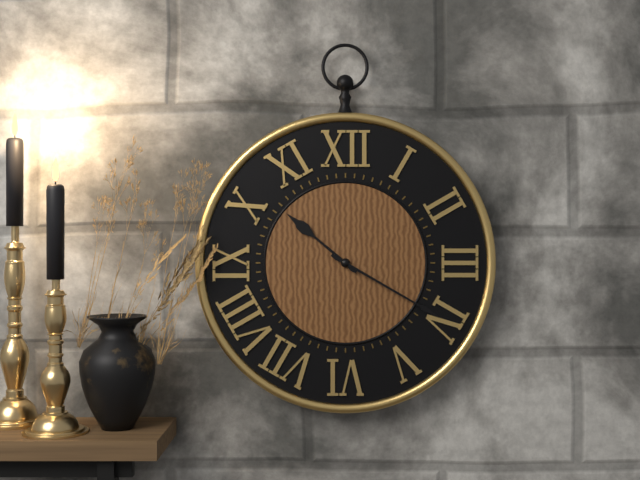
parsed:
10,20
